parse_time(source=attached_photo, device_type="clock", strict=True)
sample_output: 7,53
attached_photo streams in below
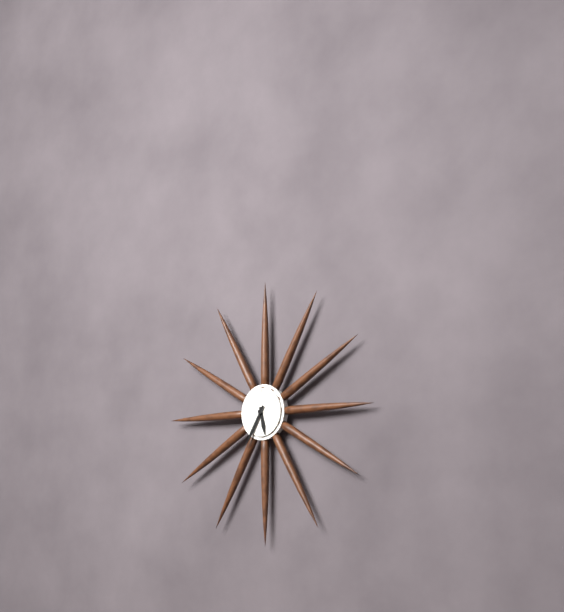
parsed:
5,35
